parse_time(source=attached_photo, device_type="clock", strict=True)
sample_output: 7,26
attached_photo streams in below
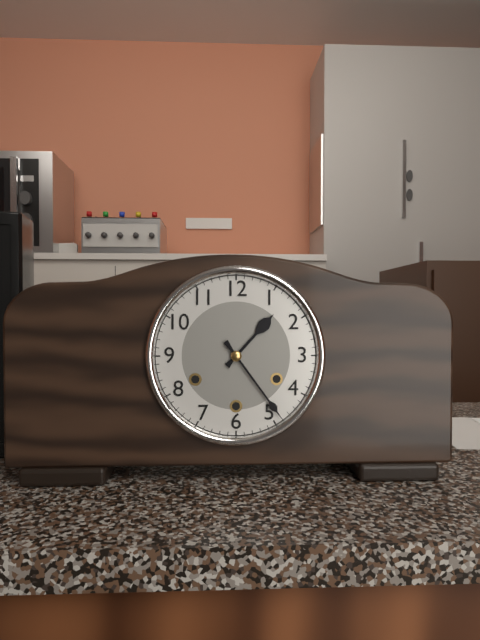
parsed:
1,24
